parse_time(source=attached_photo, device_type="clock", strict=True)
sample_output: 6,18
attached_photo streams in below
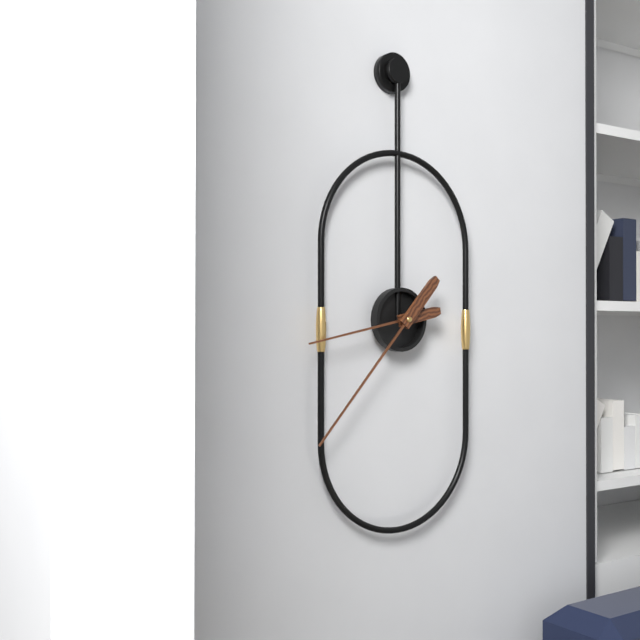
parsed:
8,37
